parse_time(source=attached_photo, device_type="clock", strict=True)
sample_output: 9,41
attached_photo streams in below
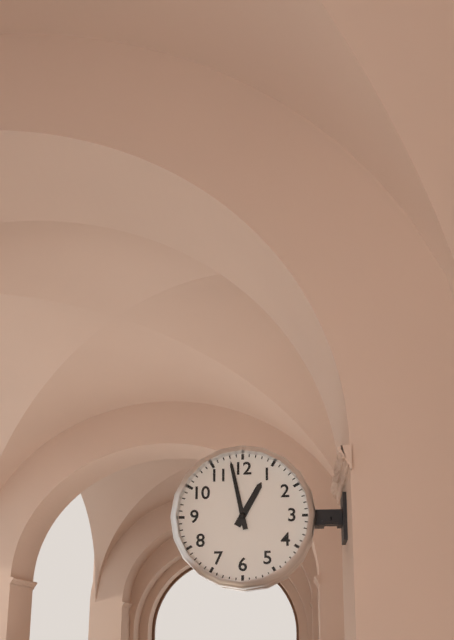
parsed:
12,58
